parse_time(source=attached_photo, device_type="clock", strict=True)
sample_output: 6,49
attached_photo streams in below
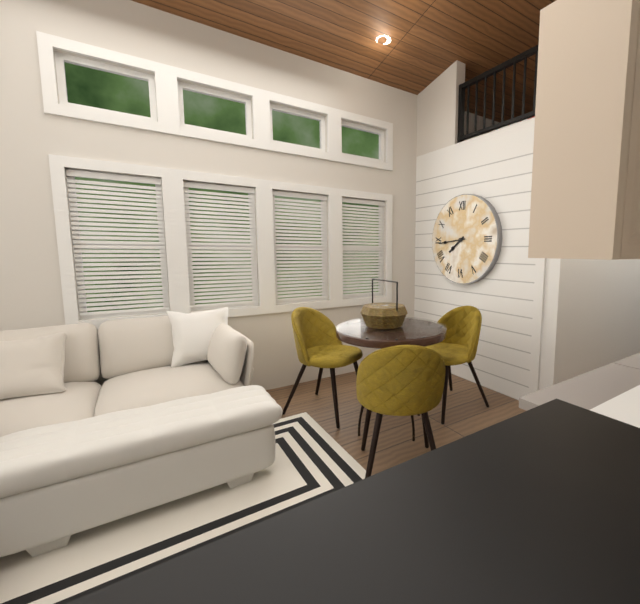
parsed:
7,44
